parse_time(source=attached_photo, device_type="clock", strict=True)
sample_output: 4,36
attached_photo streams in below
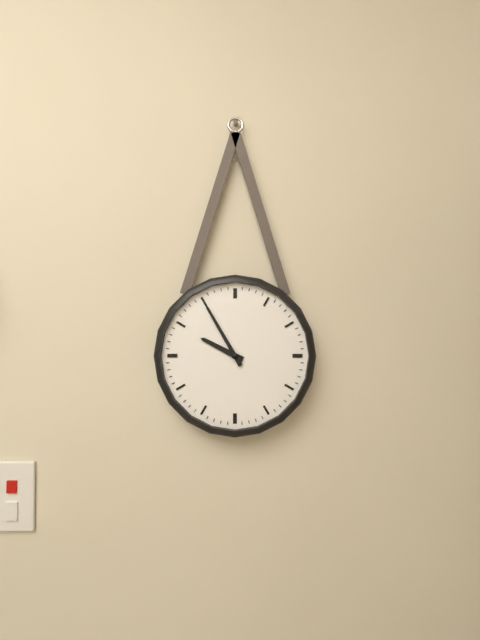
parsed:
9,55
